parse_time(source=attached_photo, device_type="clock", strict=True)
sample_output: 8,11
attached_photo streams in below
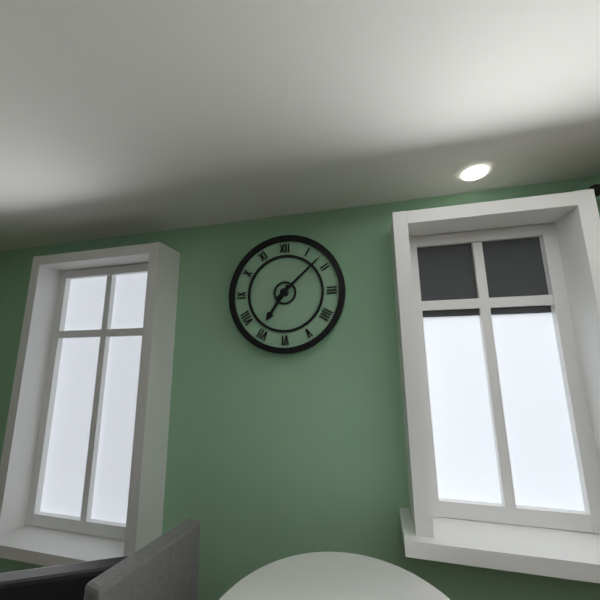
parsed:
7,08
